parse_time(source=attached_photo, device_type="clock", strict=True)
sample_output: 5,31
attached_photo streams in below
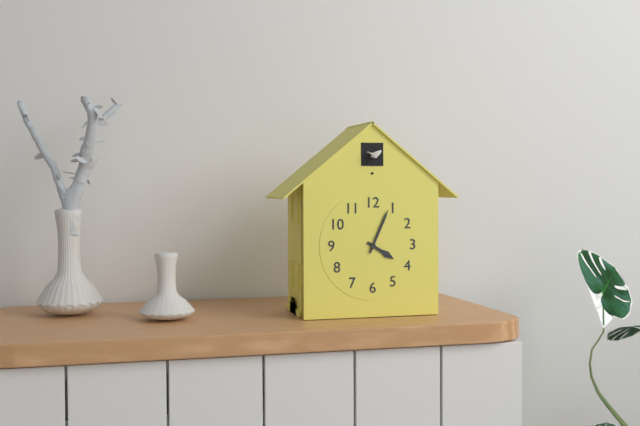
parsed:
4,04
